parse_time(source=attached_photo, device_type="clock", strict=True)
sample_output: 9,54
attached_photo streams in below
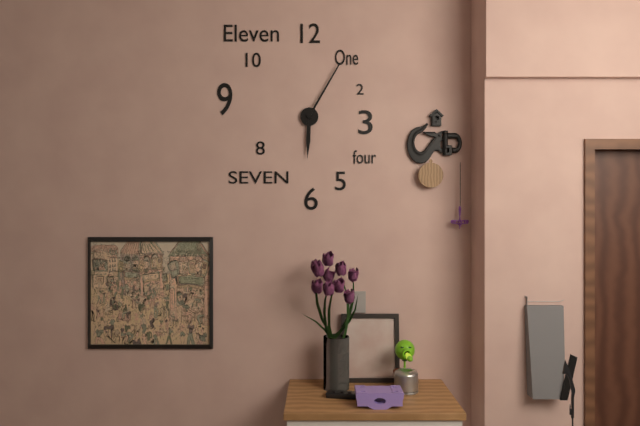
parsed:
6,05
